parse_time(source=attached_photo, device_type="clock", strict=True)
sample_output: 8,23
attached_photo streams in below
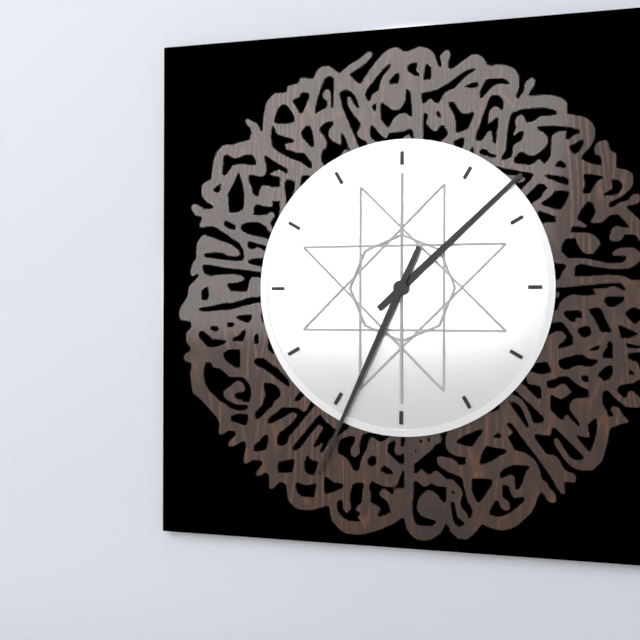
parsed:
1,34
